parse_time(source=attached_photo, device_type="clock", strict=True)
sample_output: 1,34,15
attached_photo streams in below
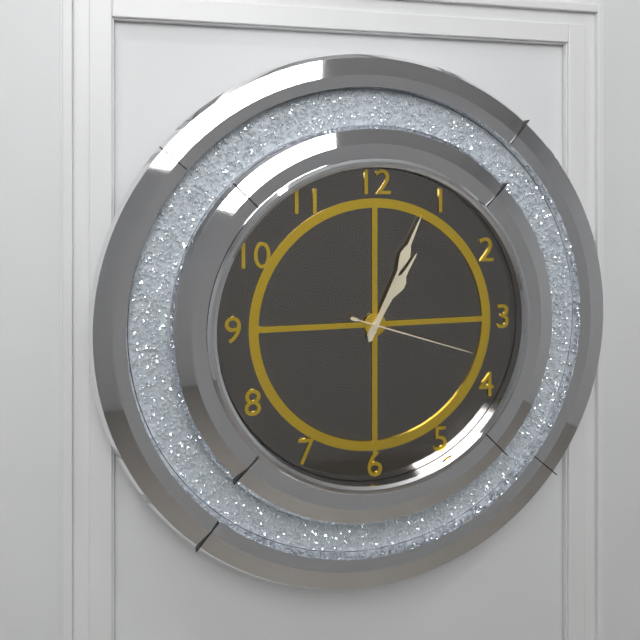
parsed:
1,04,18
